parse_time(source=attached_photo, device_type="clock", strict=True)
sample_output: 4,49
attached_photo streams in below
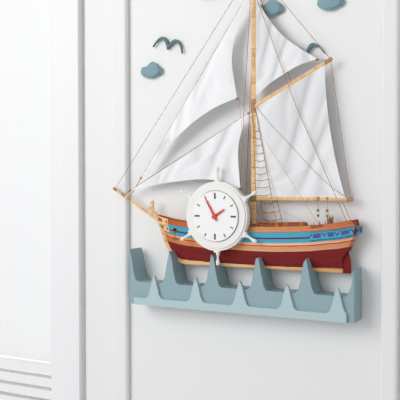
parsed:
1,55
